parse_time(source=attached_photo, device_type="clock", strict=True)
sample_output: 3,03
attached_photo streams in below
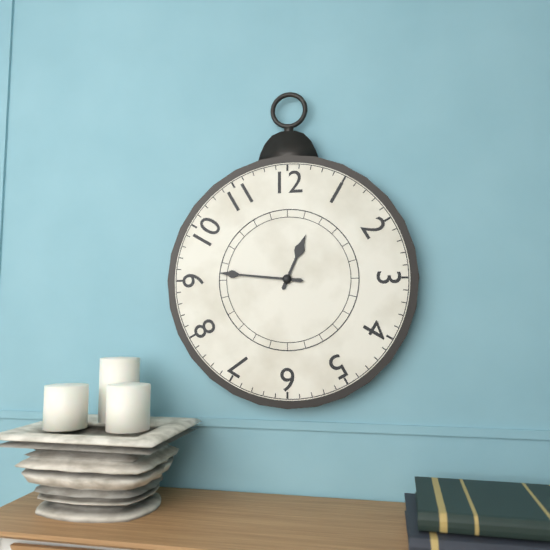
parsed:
12,46
